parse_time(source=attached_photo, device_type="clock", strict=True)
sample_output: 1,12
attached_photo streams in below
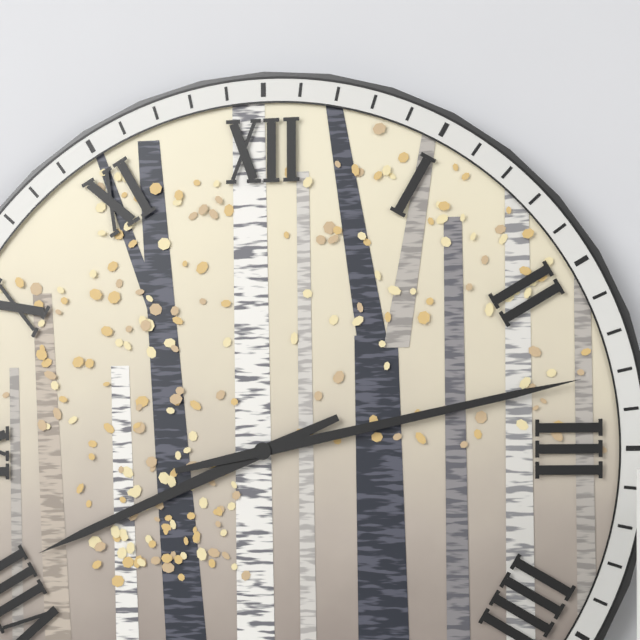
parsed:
8,13
